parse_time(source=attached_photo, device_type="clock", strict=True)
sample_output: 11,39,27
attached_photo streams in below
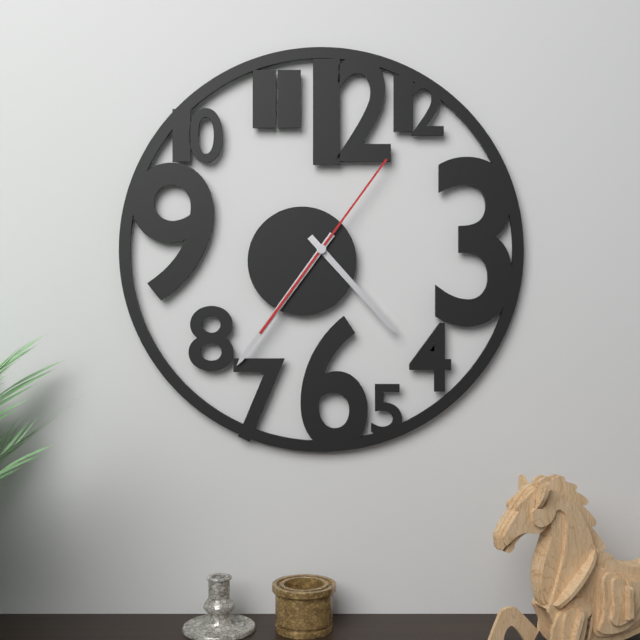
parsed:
4,36,06
